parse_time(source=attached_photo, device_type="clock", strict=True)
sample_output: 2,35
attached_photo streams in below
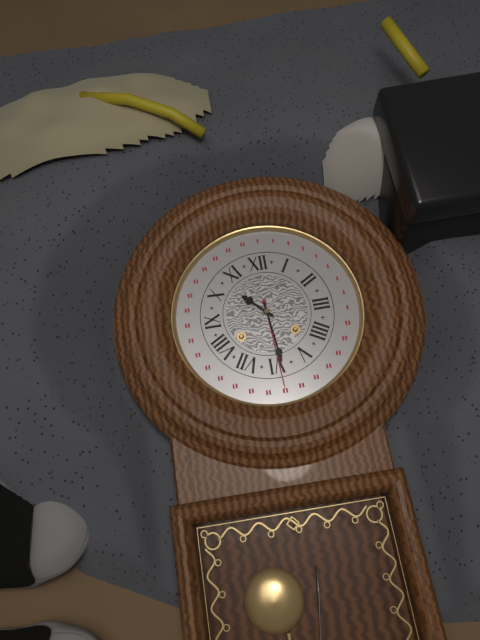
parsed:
10,29
